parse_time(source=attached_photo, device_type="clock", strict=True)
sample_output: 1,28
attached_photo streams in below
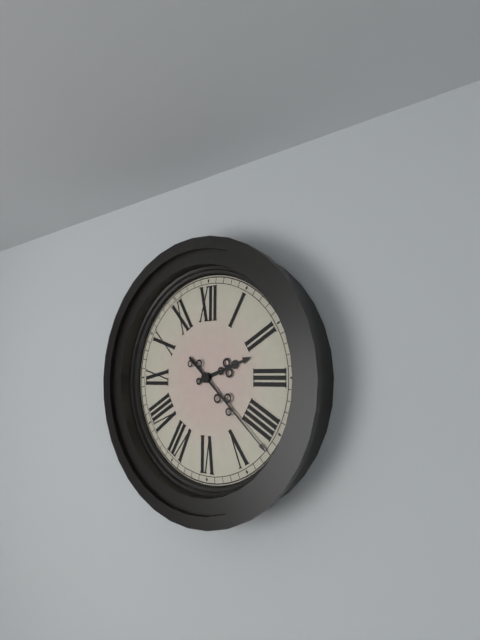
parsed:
2,22
